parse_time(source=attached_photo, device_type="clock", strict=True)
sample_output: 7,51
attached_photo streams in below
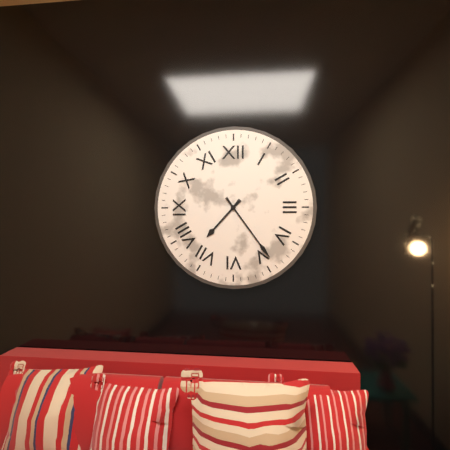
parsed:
7,24
